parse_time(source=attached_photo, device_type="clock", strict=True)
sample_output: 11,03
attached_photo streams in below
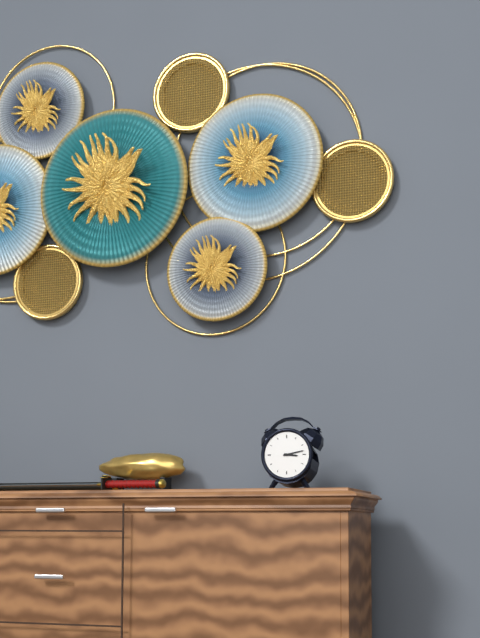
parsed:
3,13
